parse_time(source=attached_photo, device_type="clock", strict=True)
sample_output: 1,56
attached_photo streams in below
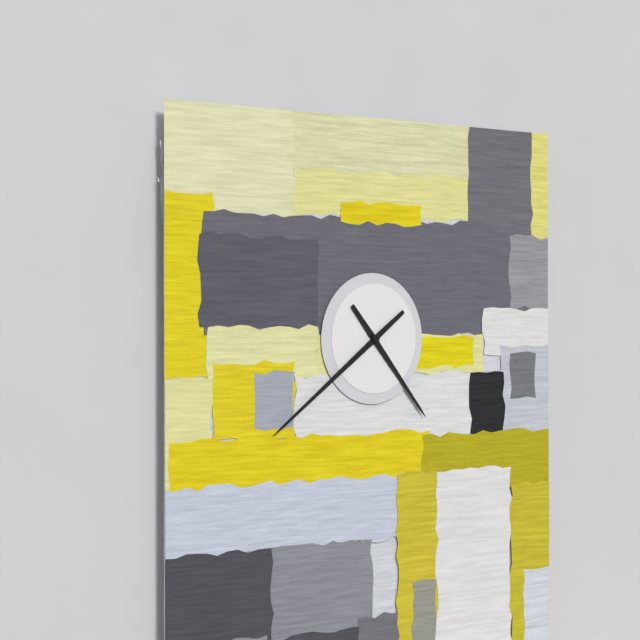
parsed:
4,39
